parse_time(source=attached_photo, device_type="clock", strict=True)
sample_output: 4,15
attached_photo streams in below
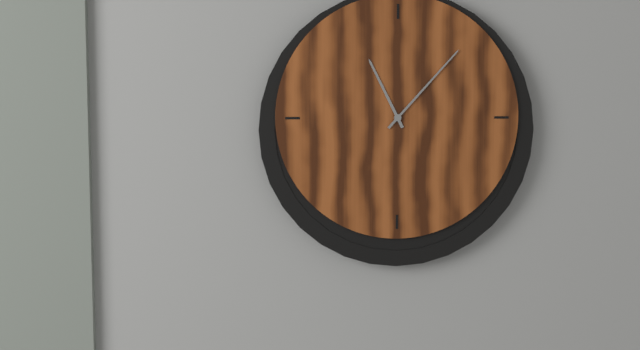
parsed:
11,07
